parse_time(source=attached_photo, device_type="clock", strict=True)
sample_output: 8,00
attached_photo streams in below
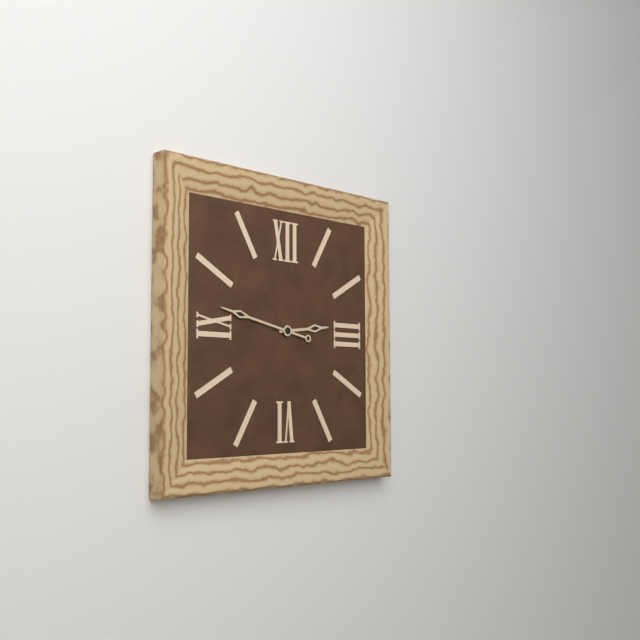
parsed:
2,47
